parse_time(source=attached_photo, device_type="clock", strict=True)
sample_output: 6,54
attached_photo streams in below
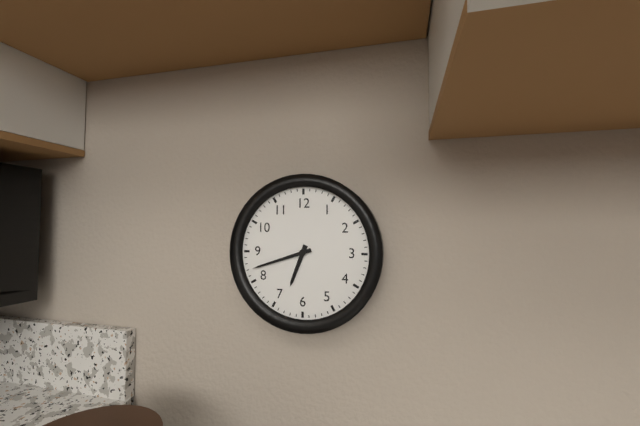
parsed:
6,42
